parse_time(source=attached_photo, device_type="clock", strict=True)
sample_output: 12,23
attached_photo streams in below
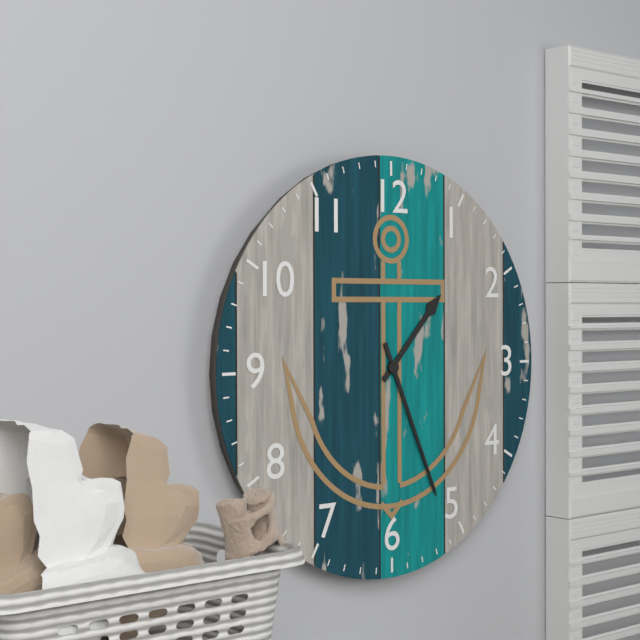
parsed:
1,26
